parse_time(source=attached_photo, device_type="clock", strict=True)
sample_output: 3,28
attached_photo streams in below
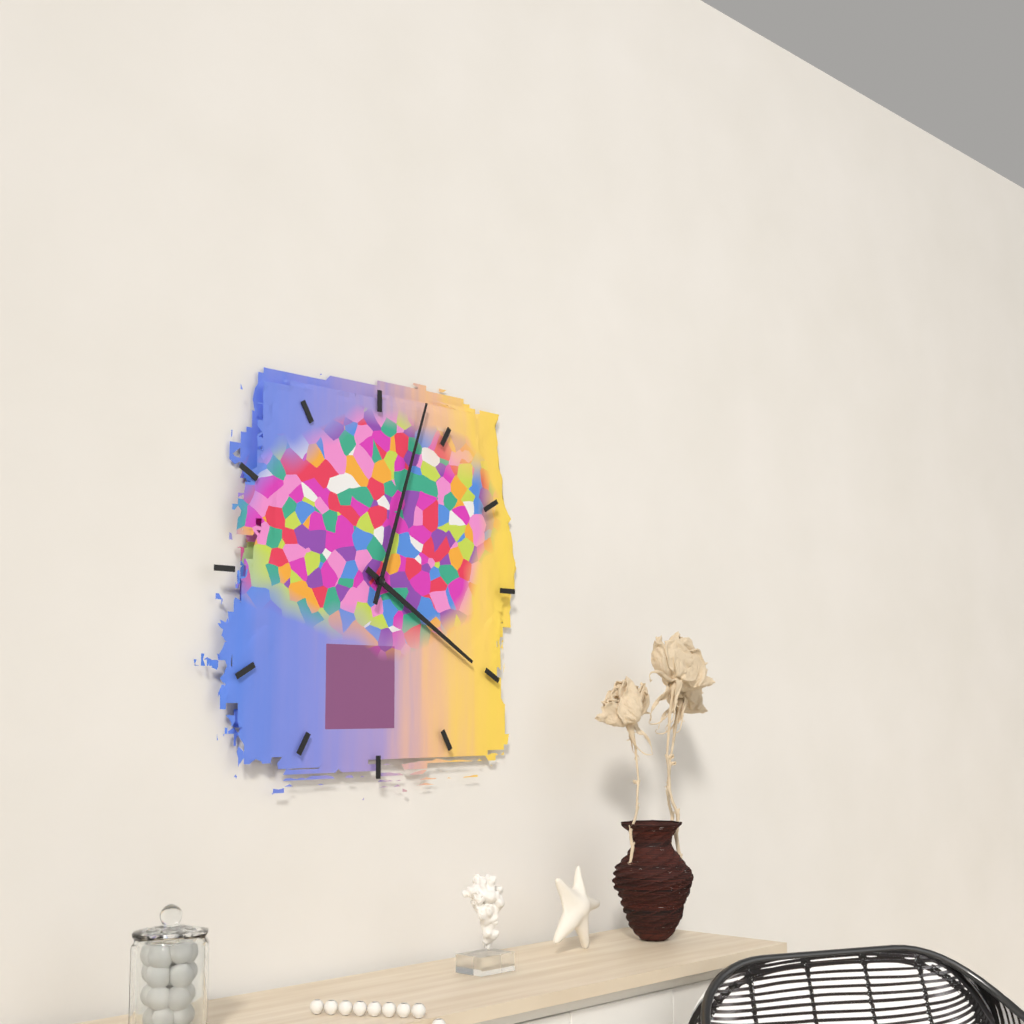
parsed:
4,03
